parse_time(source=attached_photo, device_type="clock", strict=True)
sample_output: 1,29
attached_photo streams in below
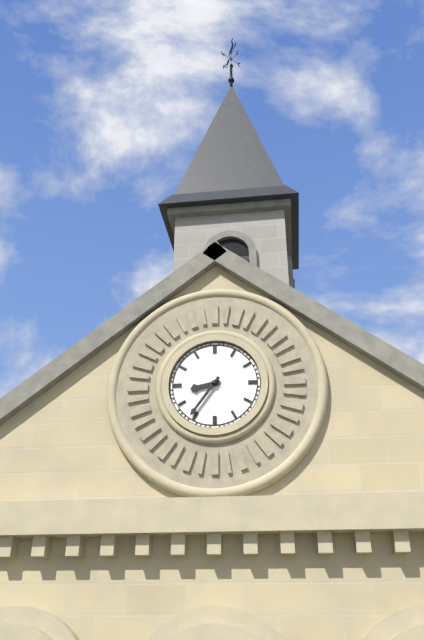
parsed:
8,36
